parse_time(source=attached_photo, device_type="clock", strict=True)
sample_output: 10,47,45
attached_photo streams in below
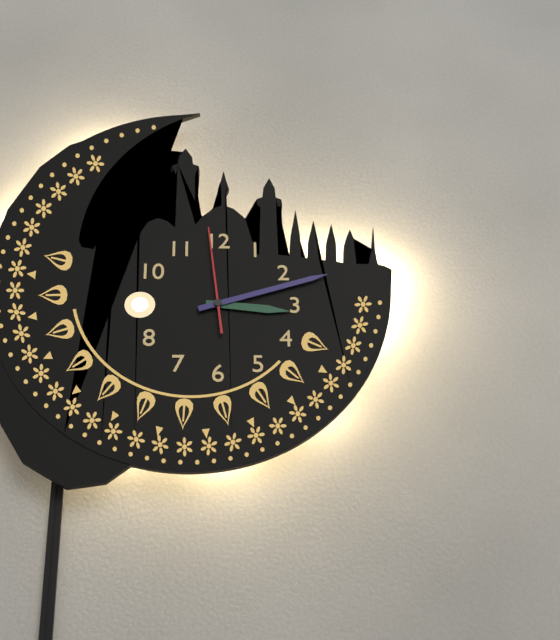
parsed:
3,12,59
